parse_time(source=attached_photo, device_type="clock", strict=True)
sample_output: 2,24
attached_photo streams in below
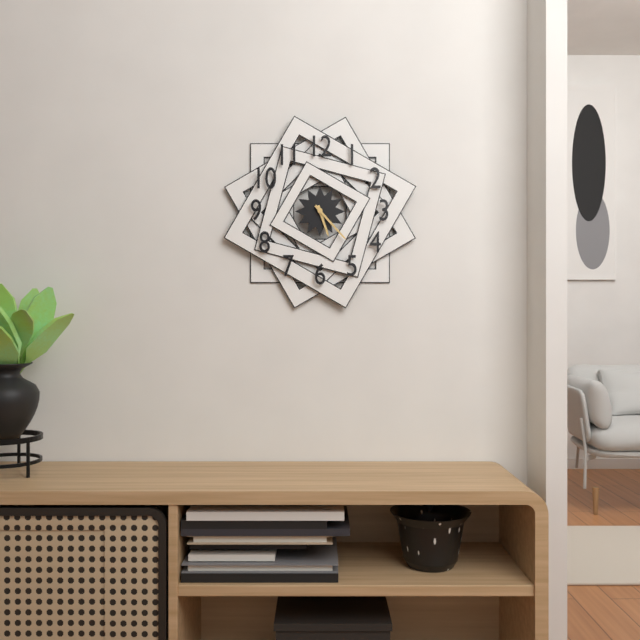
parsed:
5,23
